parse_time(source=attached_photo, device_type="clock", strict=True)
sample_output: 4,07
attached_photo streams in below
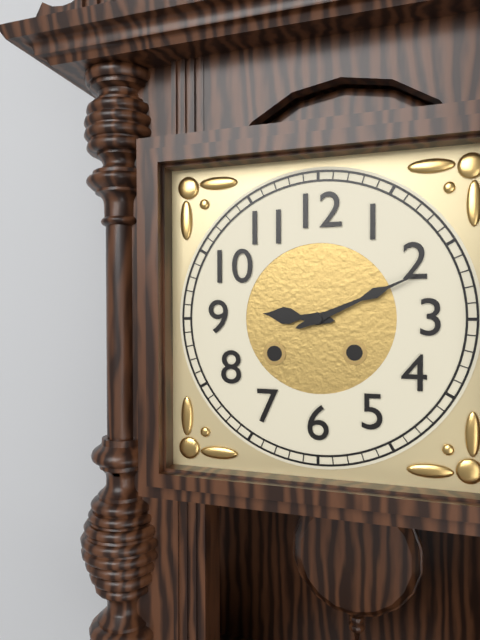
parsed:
9,11
